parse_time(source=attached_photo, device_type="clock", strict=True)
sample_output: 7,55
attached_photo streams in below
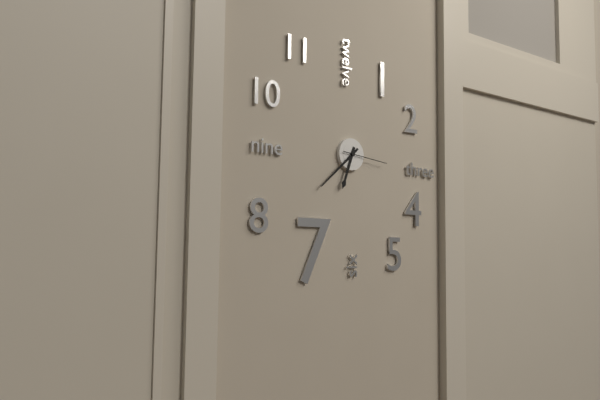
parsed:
6,38
